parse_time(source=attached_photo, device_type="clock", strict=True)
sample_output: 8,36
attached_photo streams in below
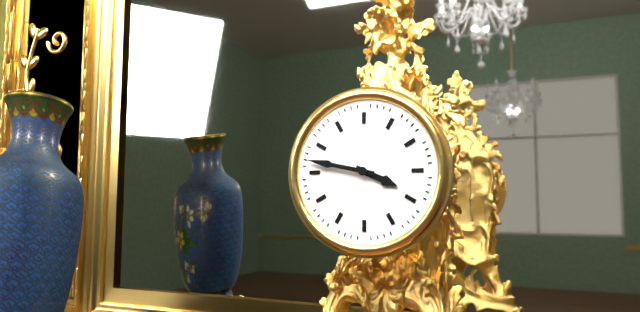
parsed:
3,47
